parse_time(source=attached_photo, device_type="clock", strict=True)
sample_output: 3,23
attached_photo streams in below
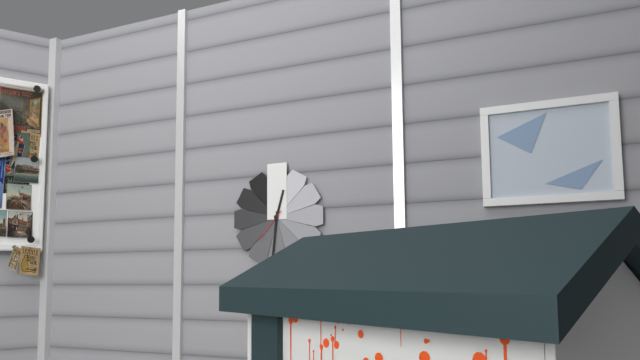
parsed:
12,31
